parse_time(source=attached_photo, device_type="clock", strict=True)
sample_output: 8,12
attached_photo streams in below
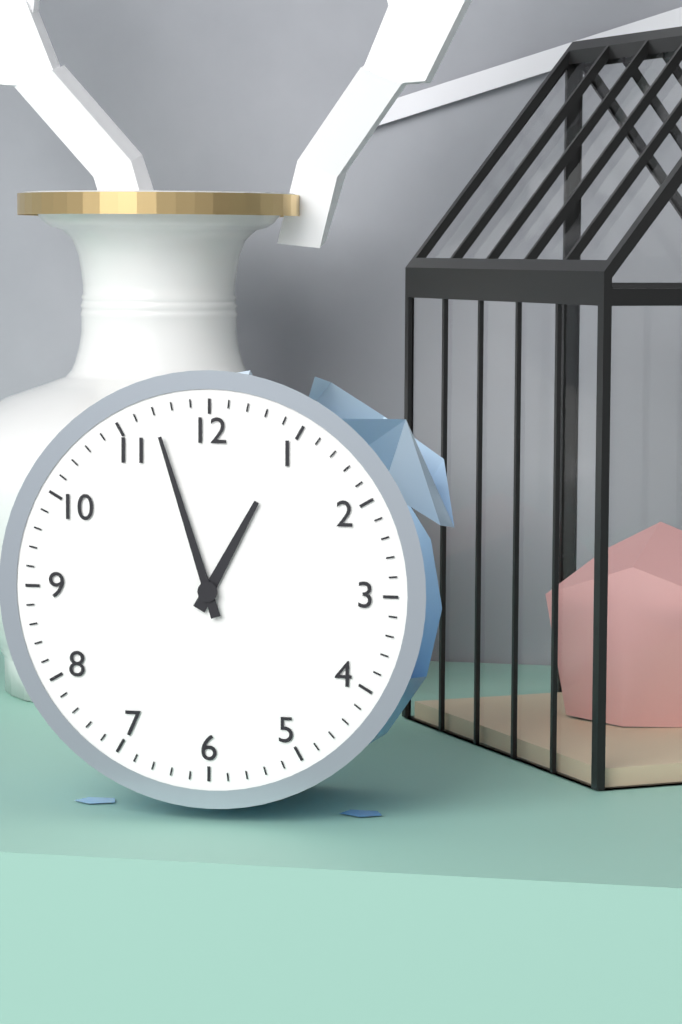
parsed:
12,57
